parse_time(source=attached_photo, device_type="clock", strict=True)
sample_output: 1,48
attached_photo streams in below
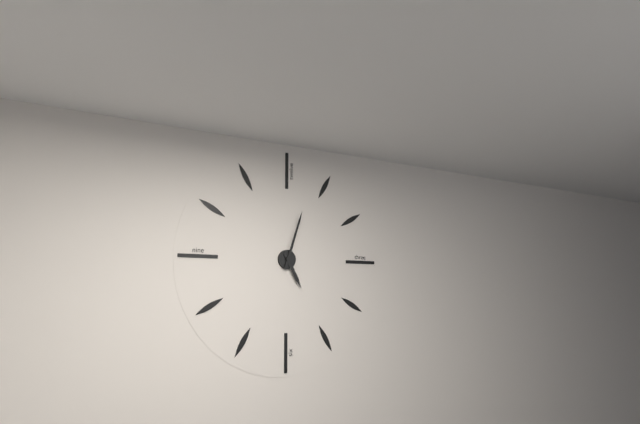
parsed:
5,03
